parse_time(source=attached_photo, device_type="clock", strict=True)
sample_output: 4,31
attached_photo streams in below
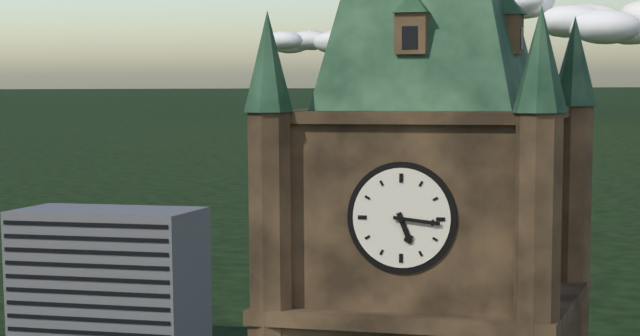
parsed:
5,16
